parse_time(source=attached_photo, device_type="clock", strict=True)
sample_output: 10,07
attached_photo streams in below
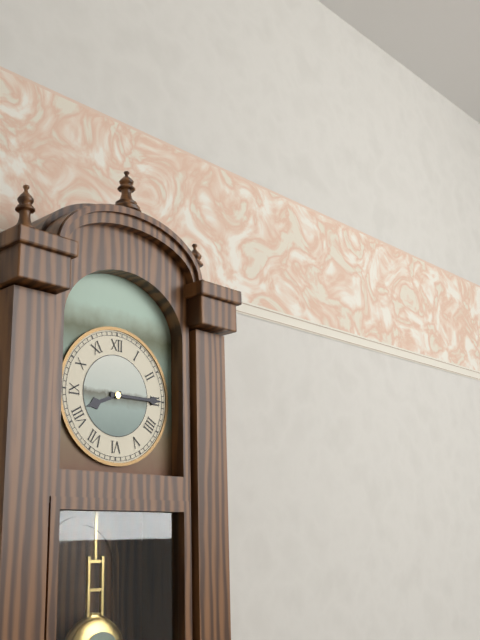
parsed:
8,15
